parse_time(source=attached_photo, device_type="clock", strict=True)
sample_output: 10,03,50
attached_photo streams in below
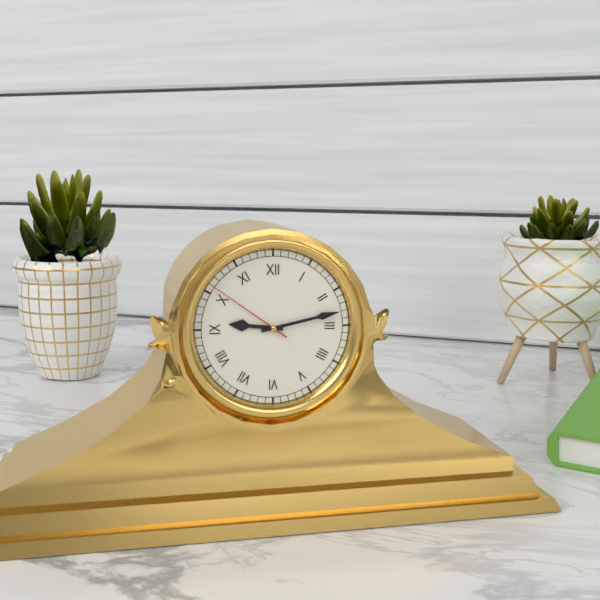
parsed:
9,13,51
